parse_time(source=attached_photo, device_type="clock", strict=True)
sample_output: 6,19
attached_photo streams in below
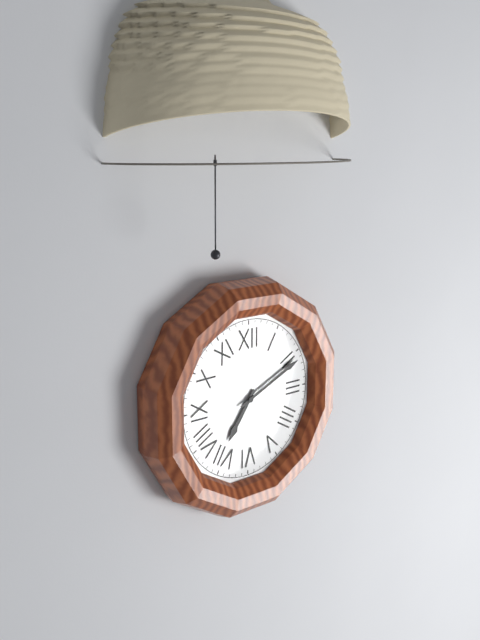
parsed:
7,11
